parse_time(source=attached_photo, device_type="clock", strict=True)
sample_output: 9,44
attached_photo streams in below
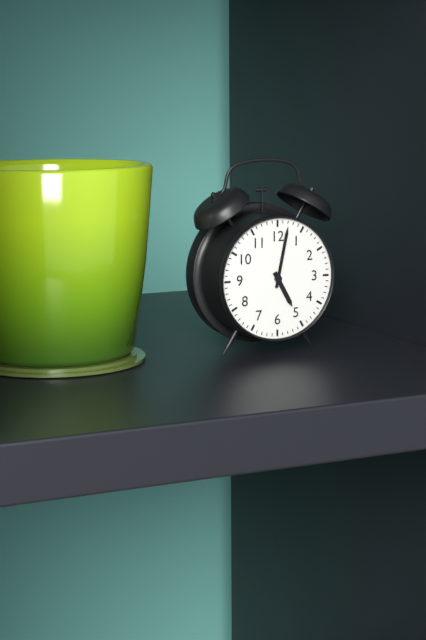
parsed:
5,02
